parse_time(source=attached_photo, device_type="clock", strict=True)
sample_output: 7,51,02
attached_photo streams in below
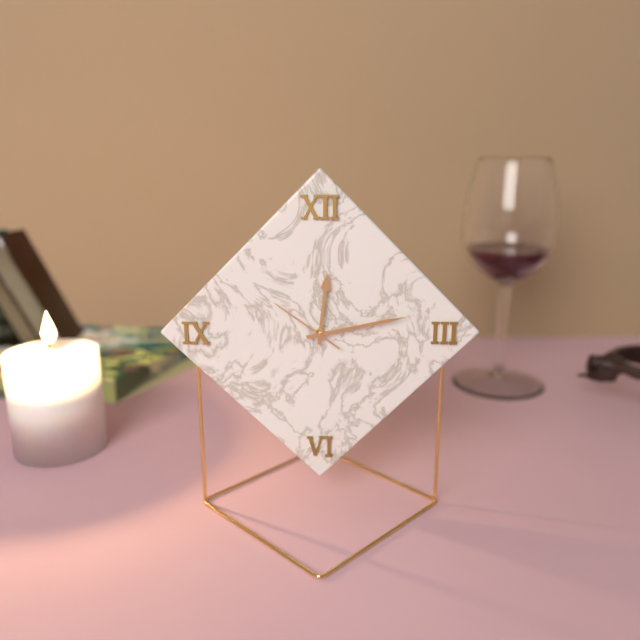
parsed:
12,13,51
